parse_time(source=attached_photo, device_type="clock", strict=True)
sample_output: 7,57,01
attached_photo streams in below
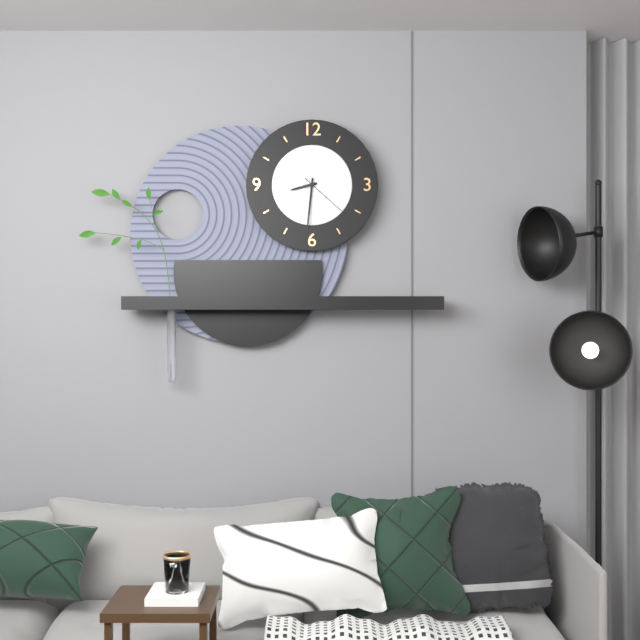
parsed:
8,31,22
